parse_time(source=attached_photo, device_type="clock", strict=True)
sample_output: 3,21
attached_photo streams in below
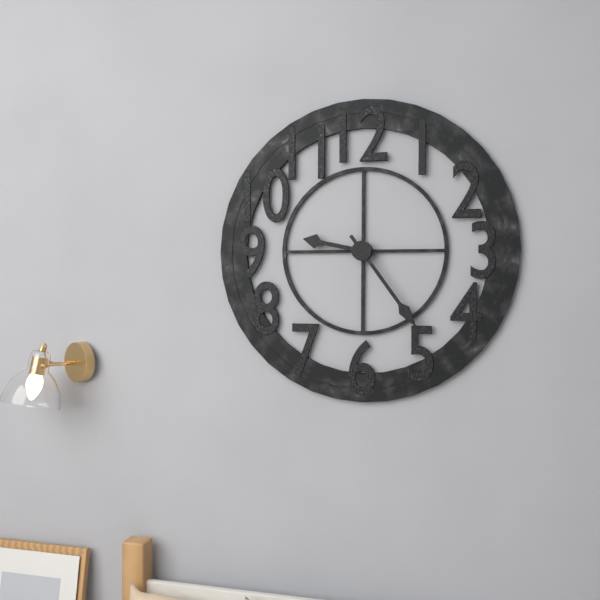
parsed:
9,24
